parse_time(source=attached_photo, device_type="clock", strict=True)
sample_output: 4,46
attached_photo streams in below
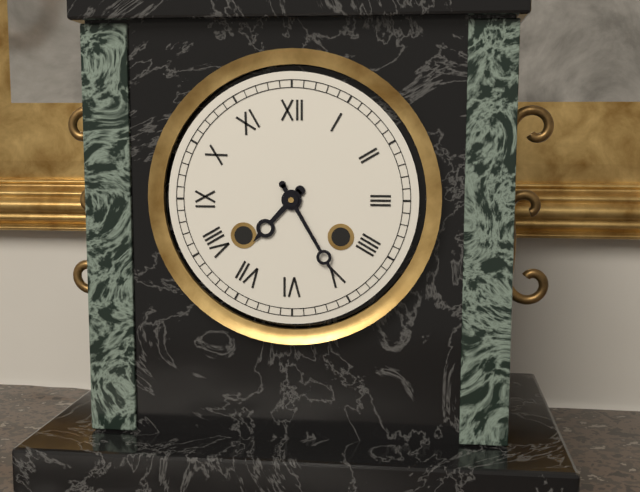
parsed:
7,25
